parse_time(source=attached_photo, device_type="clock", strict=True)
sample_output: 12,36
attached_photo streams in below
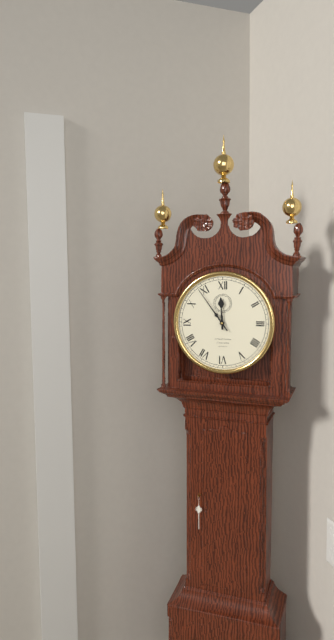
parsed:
11,54
